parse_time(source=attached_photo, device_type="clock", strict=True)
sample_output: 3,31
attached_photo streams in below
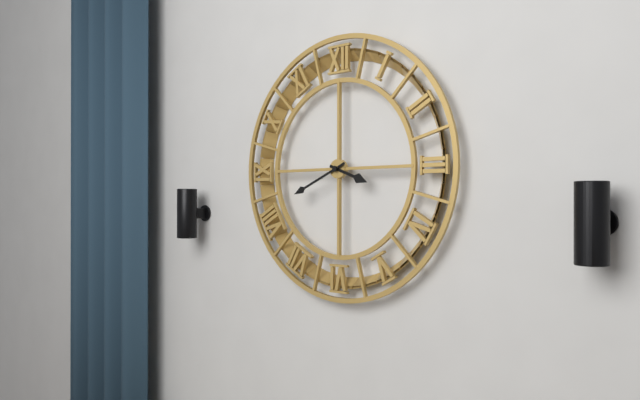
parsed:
3,41
